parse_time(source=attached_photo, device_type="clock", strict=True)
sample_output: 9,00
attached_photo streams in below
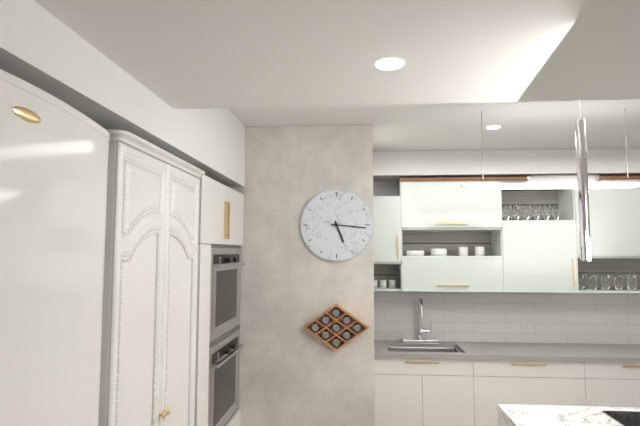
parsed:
5,16
